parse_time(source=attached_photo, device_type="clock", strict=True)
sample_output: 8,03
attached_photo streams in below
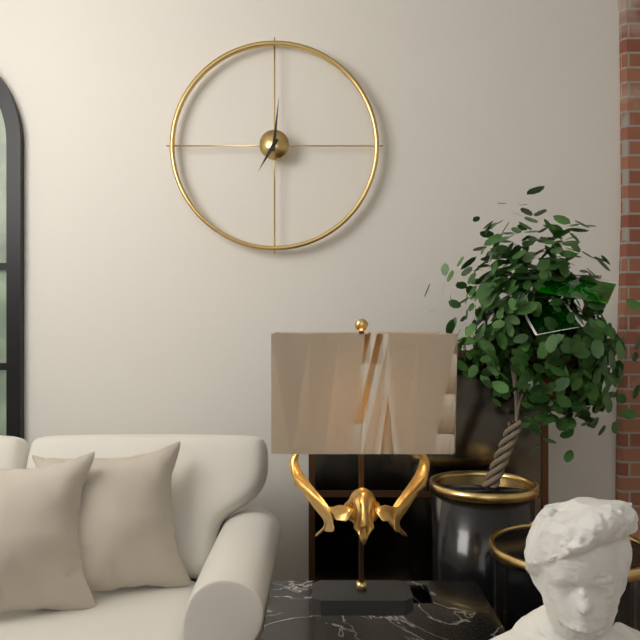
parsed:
7,01
